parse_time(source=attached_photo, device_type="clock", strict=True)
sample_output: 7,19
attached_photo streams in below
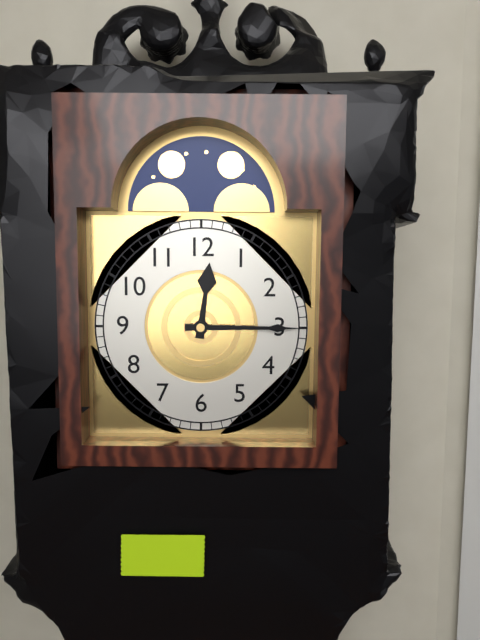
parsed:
12,15
